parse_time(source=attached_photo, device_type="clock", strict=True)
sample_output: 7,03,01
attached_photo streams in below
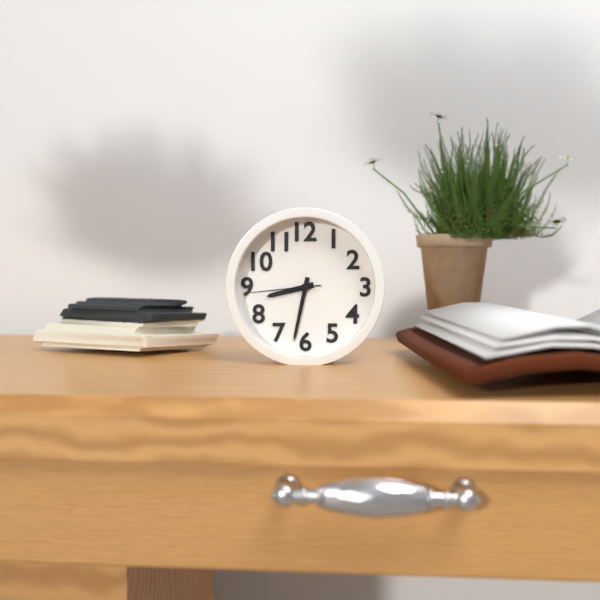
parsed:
8,32,44
